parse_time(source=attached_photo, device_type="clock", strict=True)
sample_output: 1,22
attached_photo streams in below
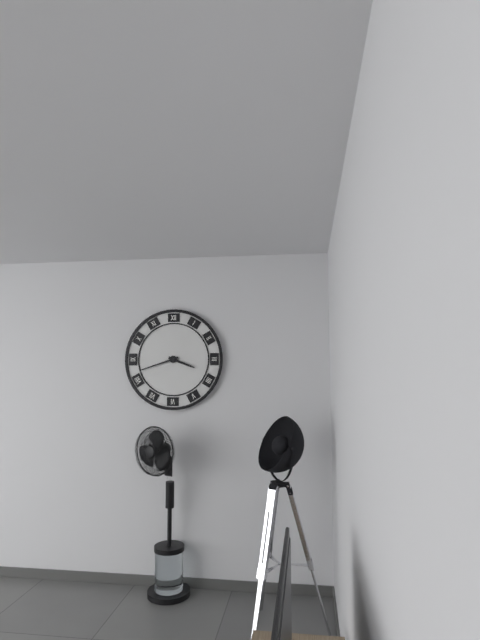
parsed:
3,42
